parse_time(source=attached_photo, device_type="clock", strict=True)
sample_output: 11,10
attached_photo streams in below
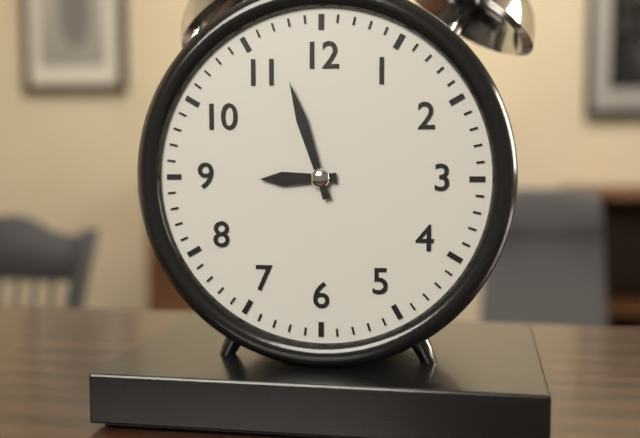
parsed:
8,57
